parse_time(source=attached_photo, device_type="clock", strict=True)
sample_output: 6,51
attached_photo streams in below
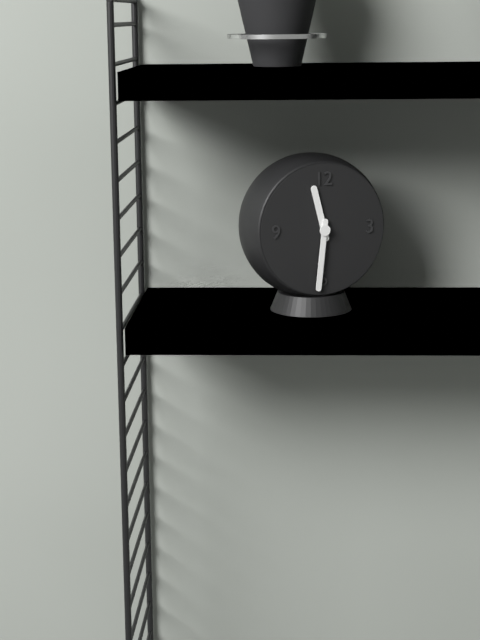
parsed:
11,31
